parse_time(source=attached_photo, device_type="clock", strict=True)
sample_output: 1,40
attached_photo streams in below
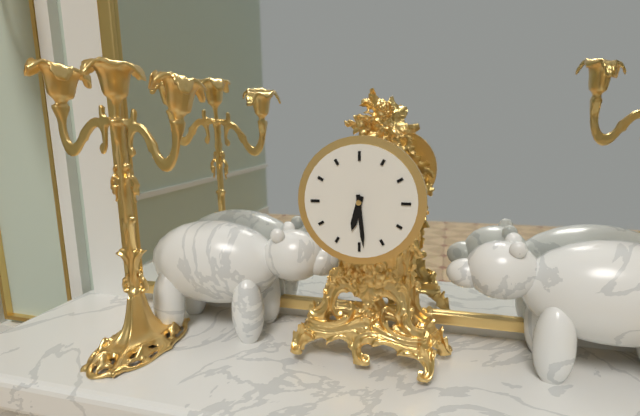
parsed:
6,29
